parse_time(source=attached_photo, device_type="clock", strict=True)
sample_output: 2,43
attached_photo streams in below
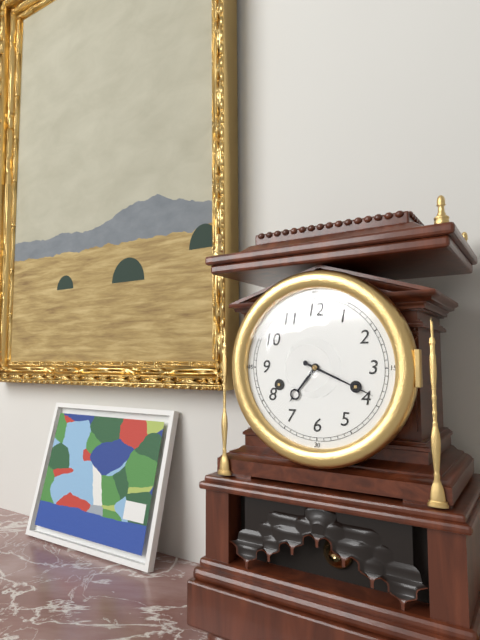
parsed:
7,19
